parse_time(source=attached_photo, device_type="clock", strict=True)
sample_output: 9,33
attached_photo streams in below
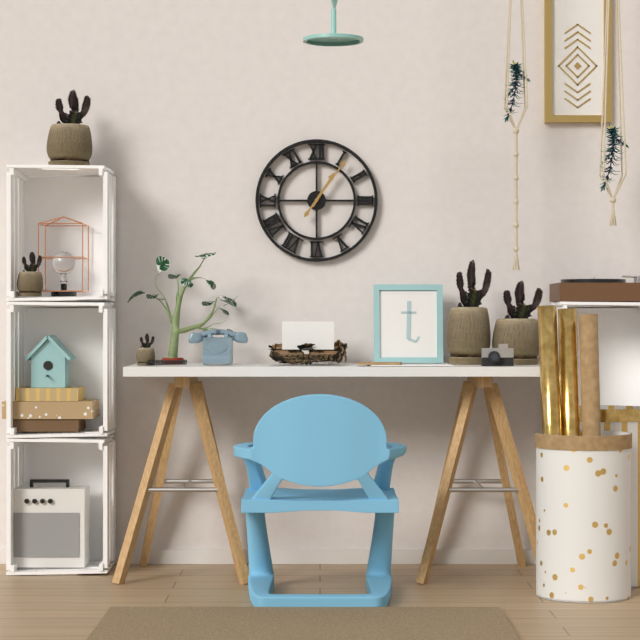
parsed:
1,06
